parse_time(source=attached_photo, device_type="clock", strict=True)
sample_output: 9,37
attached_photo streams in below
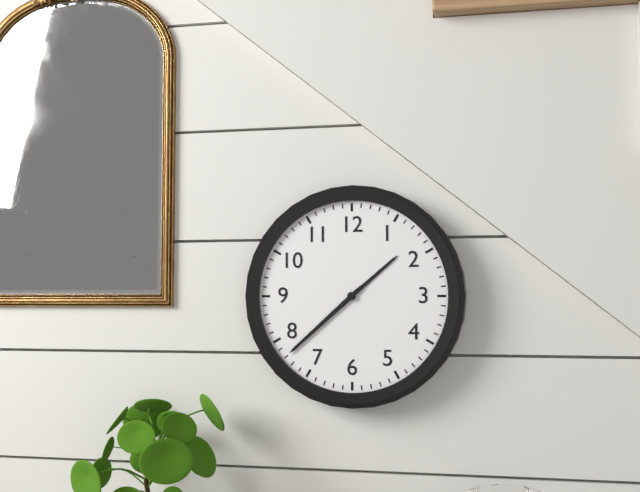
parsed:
1,38
